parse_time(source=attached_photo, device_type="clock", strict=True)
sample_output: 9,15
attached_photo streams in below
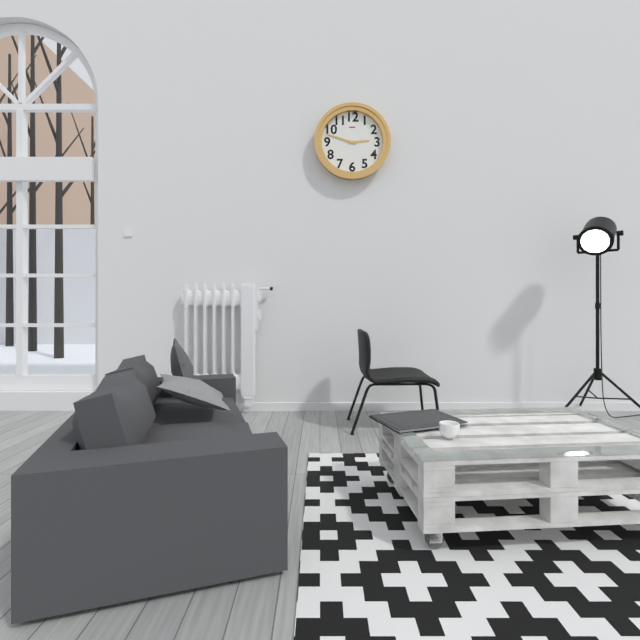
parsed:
2,48
